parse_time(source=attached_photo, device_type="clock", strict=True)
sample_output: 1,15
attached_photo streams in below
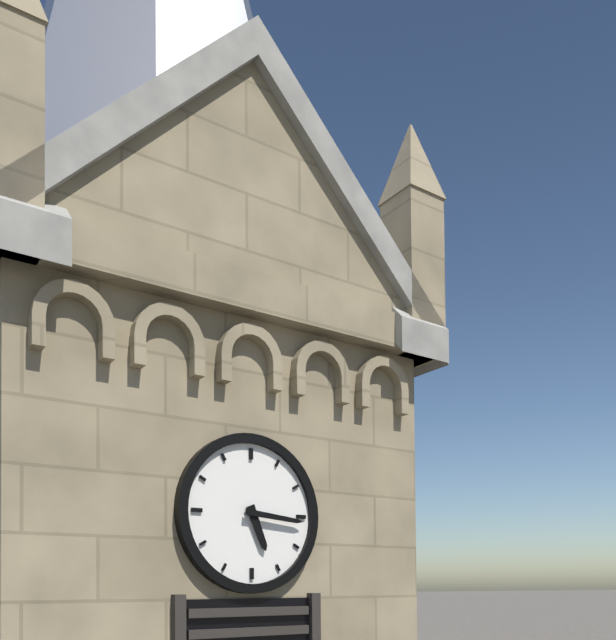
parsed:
5,16
